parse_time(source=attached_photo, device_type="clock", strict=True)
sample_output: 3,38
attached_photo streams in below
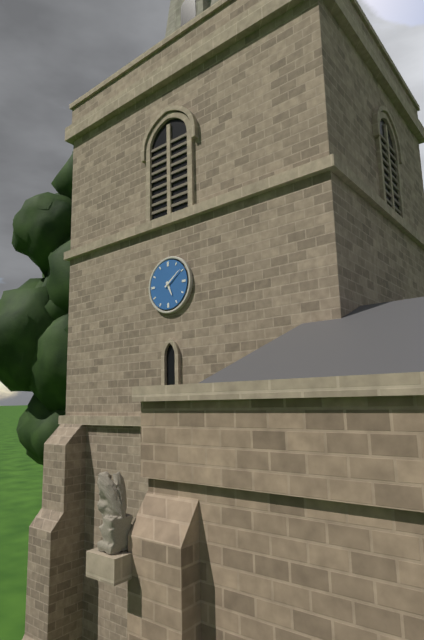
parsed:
5,09
